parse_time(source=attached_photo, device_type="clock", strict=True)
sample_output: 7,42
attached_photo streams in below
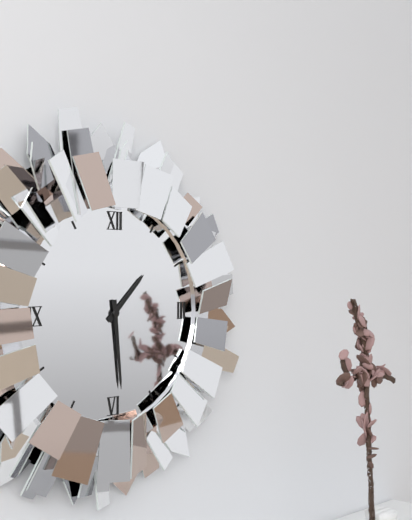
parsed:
1,29
